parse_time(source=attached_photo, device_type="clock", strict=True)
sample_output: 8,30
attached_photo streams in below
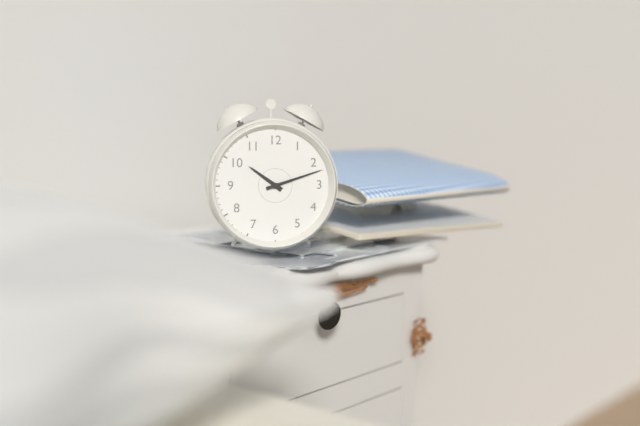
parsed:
10,12
